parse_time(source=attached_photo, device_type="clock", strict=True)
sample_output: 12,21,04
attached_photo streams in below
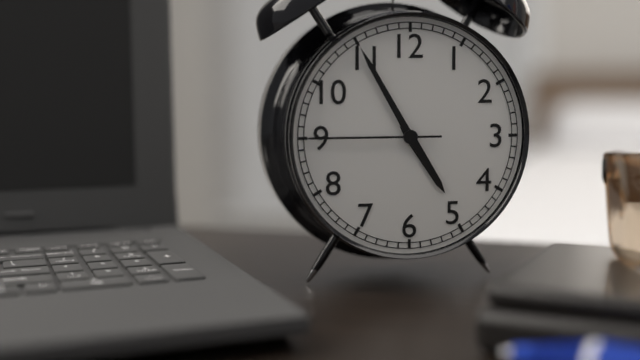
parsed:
4,55,45
